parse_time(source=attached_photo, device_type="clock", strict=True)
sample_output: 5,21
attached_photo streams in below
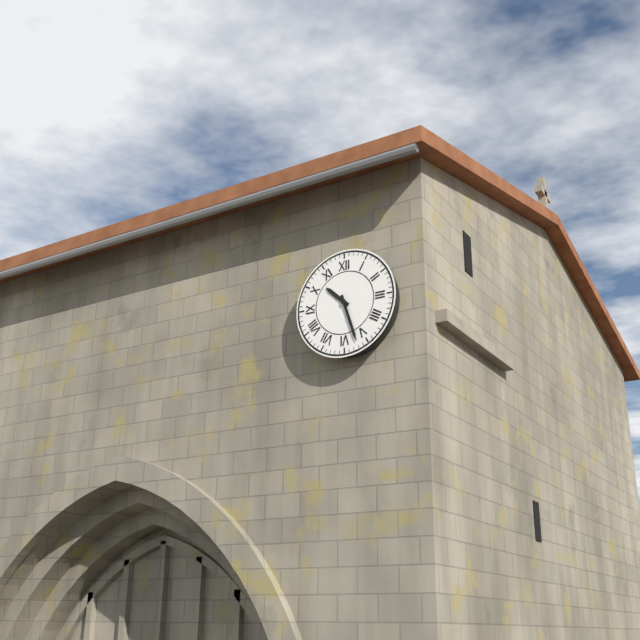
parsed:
10,27
